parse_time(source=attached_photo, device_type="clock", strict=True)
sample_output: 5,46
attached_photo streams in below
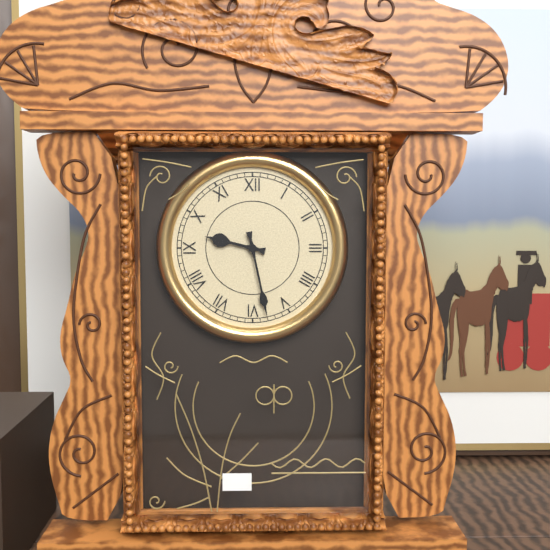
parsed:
9,28
